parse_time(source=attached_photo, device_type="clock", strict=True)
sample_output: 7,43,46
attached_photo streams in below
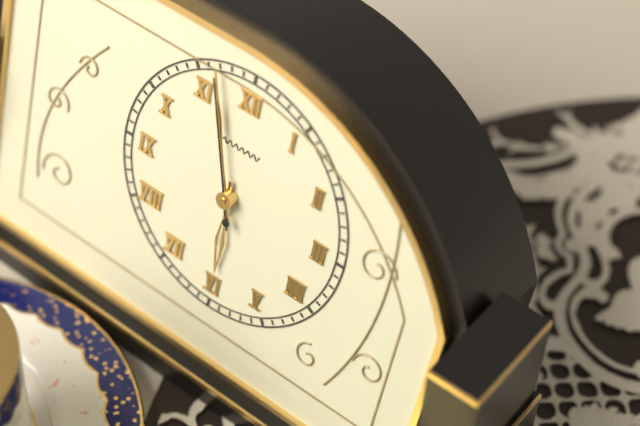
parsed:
5,57,57
